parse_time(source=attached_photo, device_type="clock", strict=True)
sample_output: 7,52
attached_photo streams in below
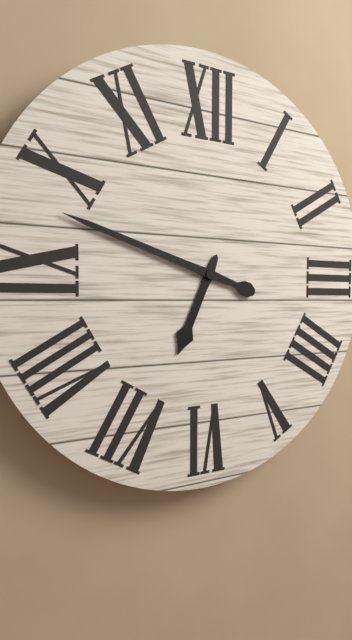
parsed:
6,48
